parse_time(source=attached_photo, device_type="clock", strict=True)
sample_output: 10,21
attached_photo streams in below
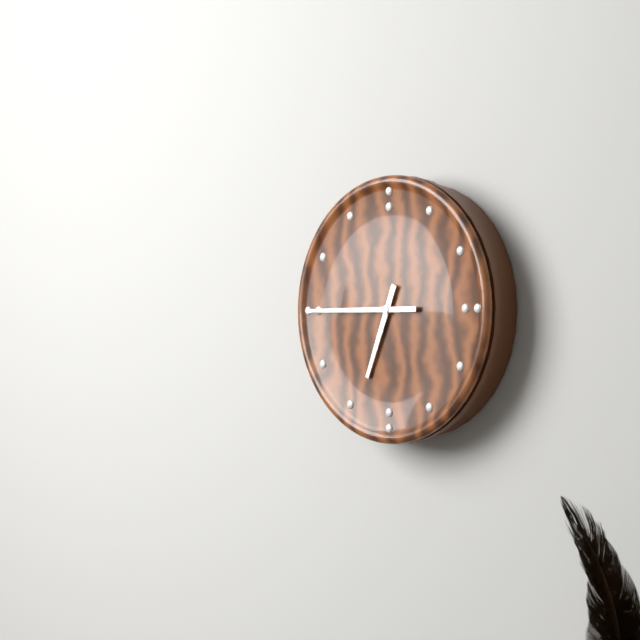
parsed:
6,45
